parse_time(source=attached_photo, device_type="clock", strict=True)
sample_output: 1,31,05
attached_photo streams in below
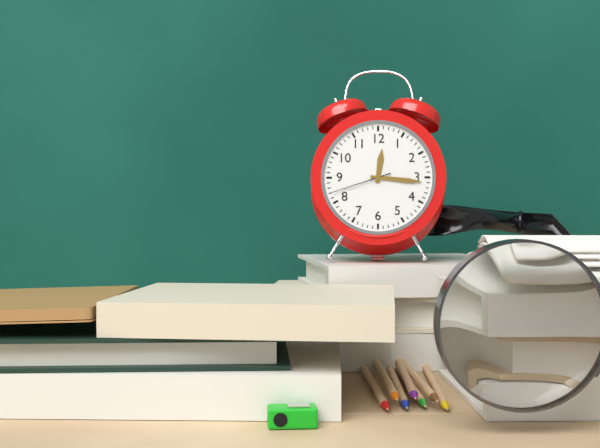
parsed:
12,16,42
